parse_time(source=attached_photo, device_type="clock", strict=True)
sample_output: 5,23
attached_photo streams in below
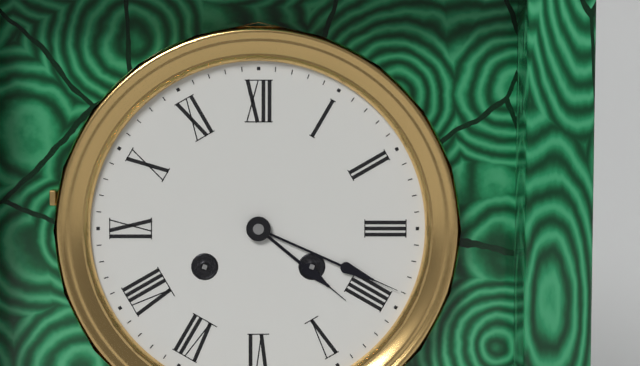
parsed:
4,19
